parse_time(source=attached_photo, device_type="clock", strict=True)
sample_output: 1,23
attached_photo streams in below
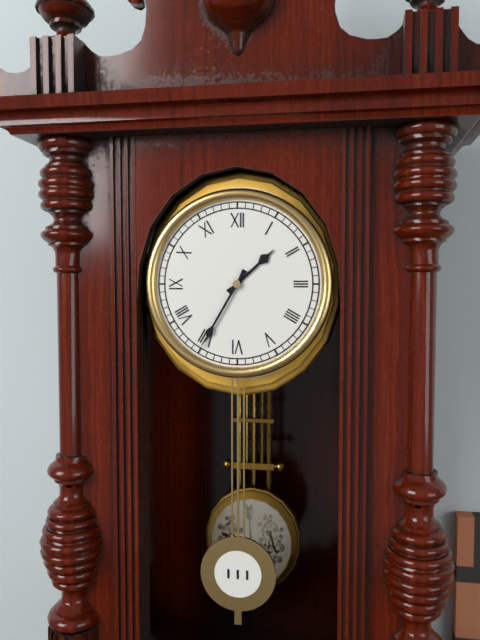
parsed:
1,35
